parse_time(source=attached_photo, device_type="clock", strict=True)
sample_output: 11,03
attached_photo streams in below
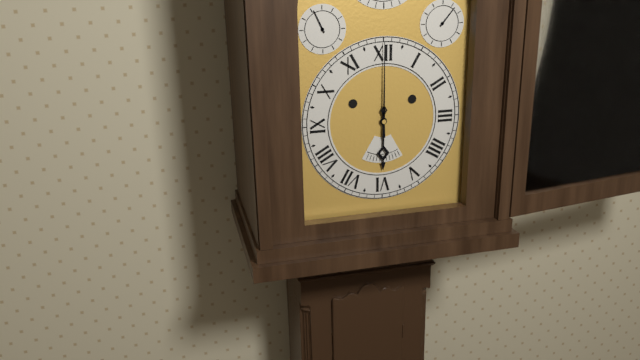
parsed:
6,00
